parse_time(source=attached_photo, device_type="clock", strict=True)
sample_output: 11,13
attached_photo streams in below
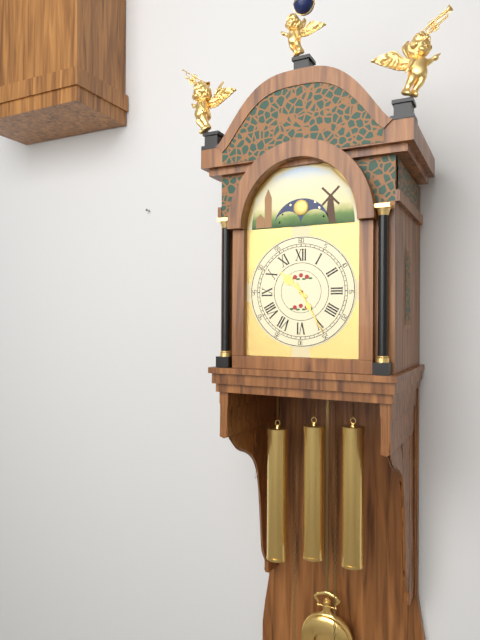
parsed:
10,25
